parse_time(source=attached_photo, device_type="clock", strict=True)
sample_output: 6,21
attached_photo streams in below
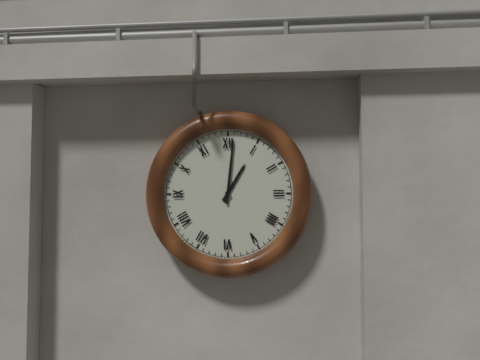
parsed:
1,01
